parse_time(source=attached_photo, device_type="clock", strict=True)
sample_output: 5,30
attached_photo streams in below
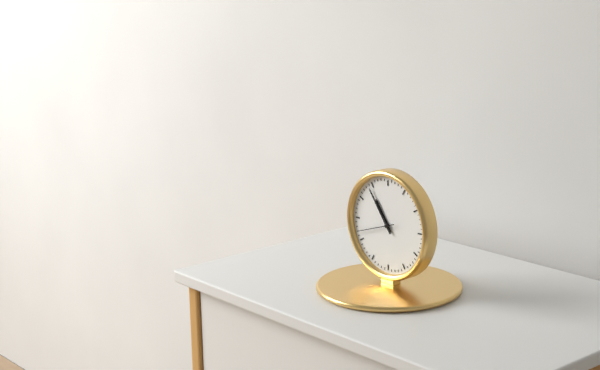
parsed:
10,54
